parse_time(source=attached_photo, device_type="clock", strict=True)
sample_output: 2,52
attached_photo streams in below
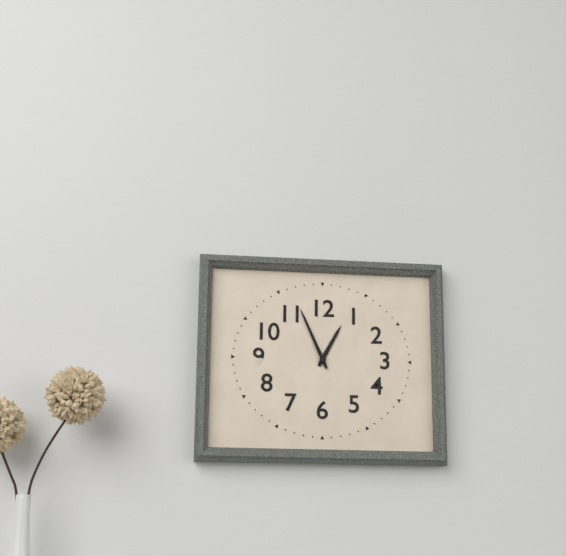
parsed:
12,56
